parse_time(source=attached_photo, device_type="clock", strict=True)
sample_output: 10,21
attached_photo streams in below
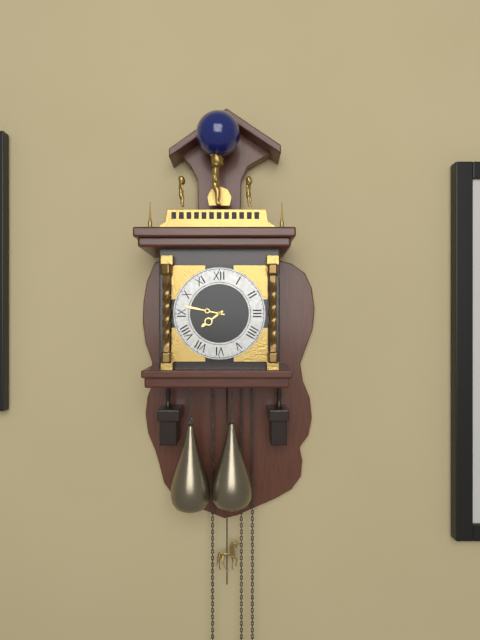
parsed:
7,47
